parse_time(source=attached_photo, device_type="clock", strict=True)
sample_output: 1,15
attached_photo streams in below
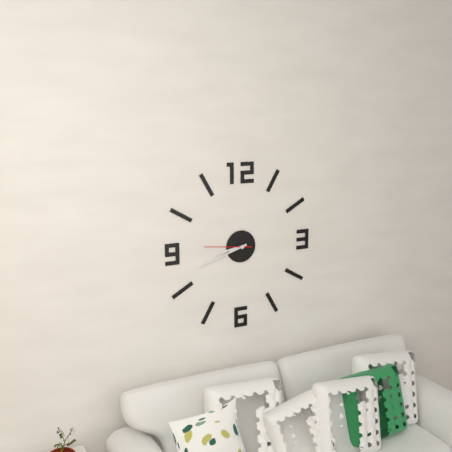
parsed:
8,42
